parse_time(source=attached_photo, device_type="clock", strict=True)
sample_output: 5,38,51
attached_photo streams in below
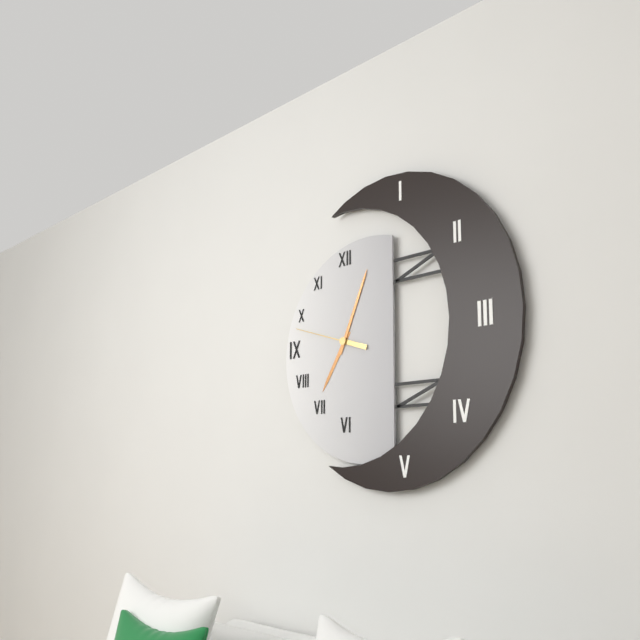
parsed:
7,04,48
